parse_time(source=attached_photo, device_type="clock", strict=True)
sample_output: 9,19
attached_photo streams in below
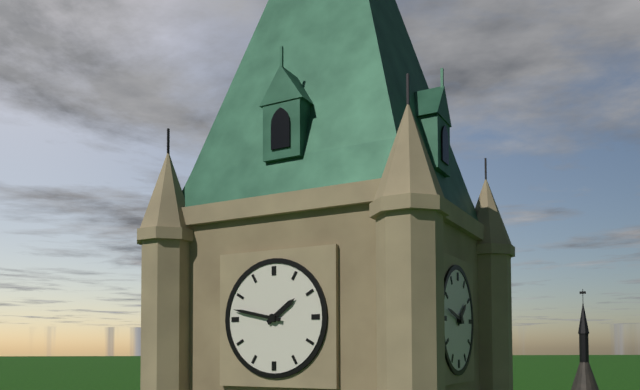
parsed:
1,47
